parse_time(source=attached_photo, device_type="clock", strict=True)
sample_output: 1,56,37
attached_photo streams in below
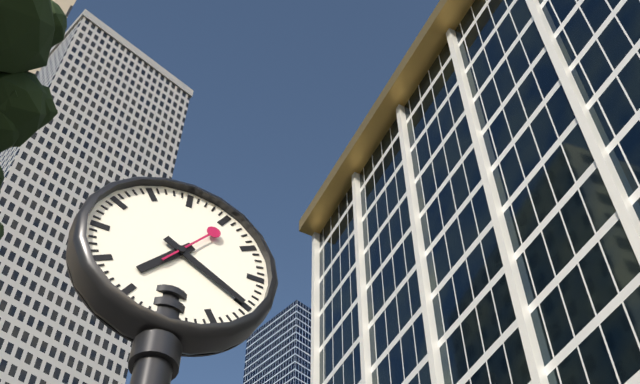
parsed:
7,20,06
